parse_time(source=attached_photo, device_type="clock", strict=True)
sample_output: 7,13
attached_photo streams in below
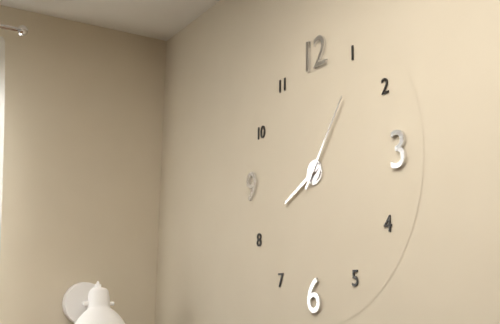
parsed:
8,06
